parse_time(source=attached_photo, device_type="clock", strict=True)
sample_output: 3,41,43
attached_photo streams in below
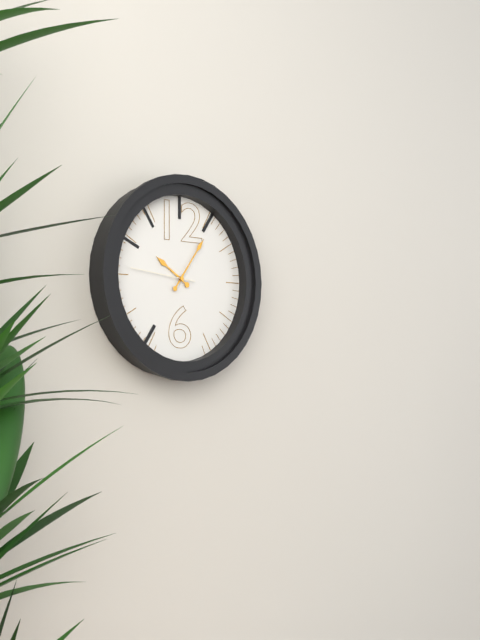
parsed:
10,06,46
